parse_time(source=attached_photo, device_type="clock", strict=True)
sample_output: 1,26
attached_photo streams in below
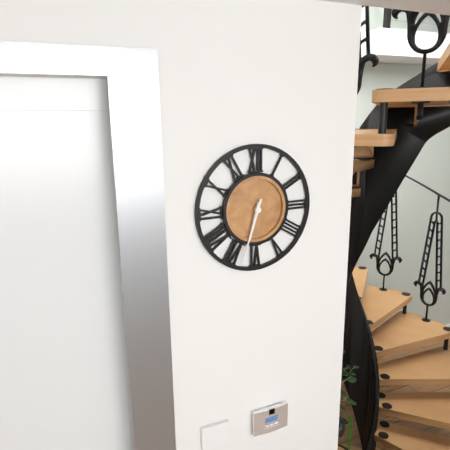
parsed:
6,33
